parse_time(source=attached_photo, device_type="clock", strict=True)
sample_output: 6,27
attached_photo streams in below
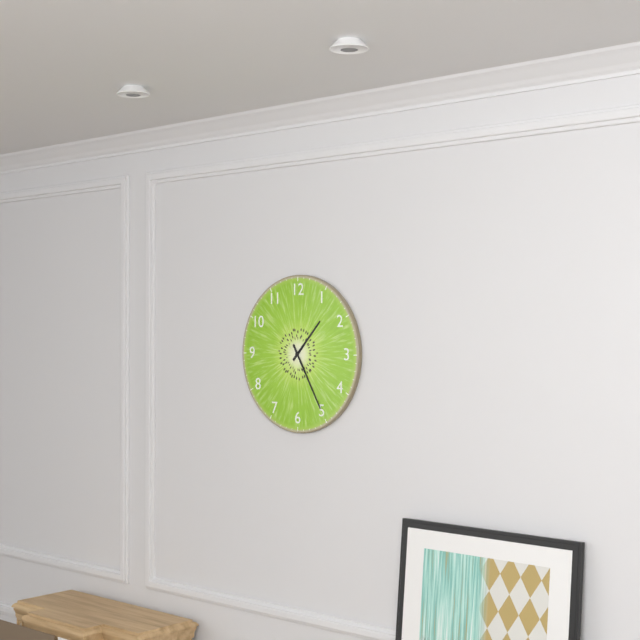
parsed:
1,25
